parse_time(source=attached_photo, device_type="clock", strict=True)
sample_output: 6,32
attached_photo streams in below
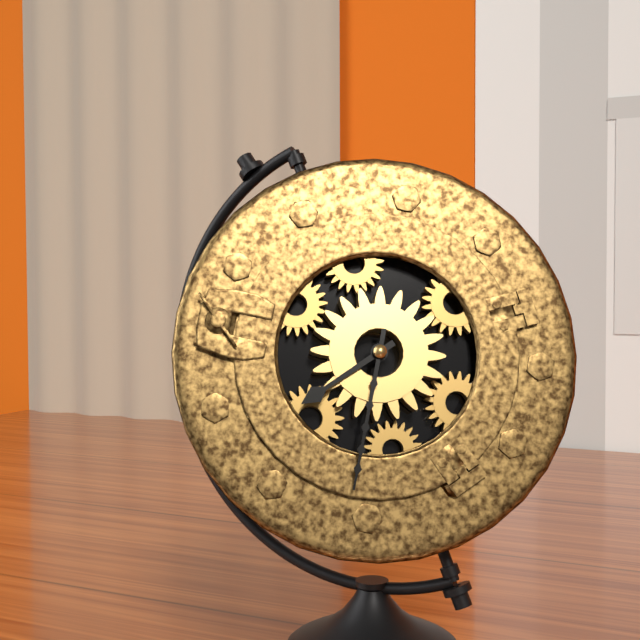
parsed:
7,30
